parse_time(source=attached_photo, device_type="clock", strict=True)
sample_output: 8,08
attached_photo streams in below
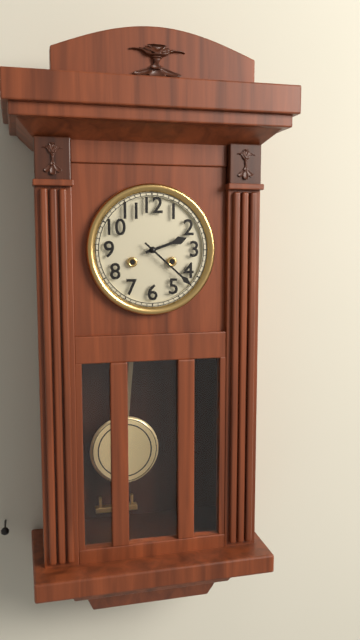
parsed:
2,22
